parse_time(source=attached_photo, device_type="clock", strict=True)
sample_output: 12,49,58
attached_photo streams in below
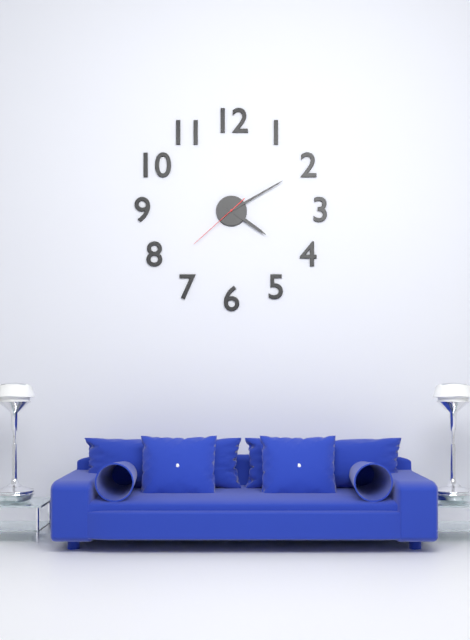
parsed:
4,10,38
